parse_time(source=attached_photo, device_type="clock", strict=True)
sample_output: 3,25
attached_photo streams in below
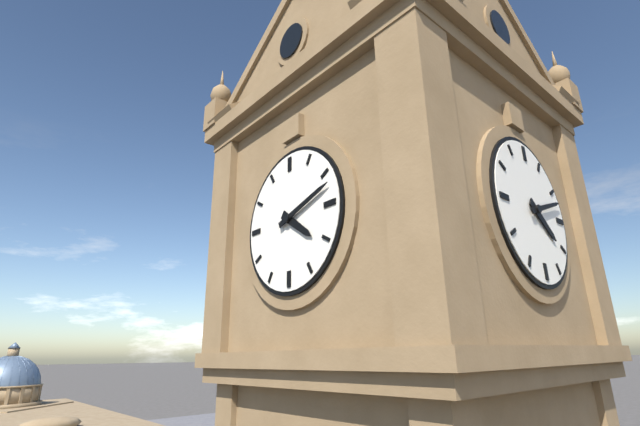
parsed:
4,12
